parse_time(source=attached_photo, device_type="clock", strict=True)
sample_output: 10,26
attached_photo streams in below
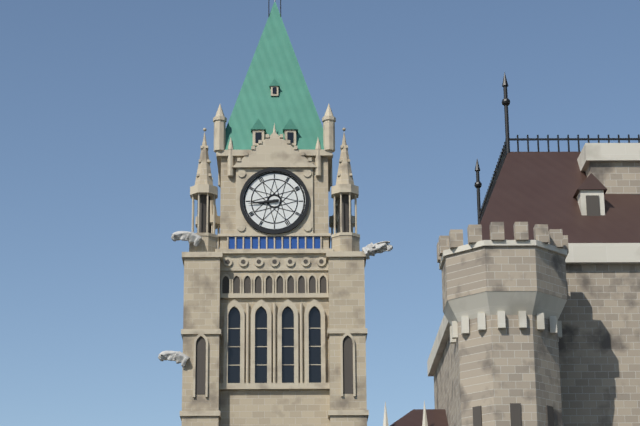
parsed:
8,44
